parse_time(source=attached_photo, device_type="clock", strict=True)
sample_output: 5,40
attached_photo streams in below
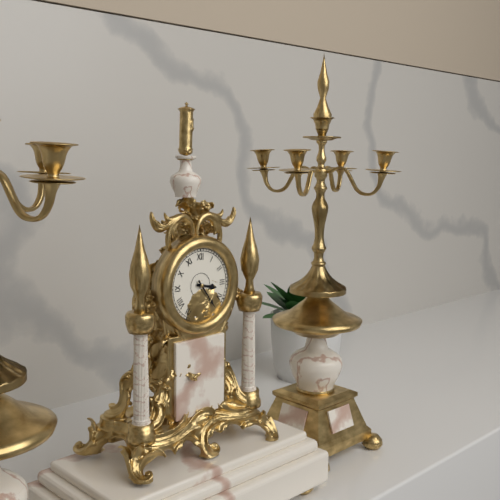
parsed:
3,24
